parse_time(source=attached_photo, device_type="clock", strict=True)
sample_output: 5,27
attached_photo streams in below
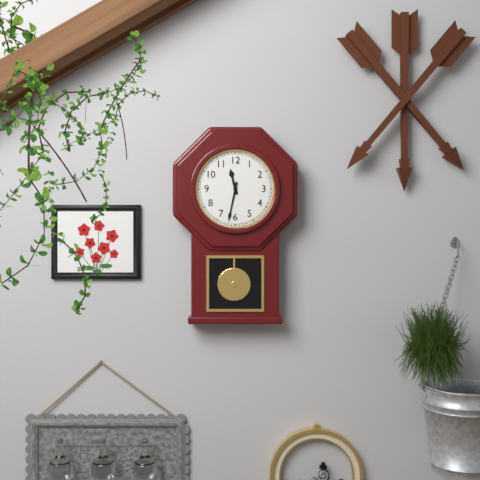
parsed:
11,32
